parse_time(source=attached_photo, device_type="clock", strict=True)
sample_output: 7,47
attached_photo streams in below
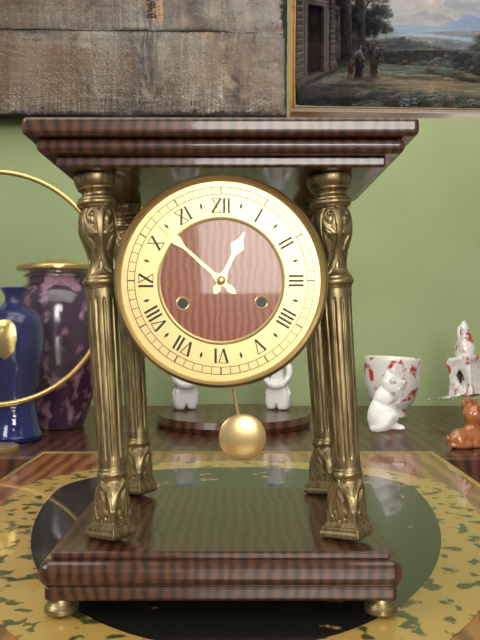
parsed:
12,52
